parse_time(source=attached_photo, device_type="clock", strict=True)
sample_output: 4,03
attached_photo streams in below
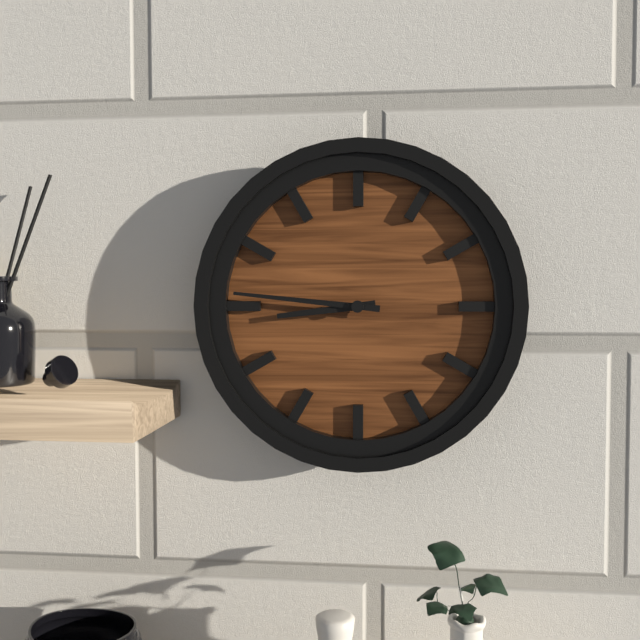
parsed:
8,46
